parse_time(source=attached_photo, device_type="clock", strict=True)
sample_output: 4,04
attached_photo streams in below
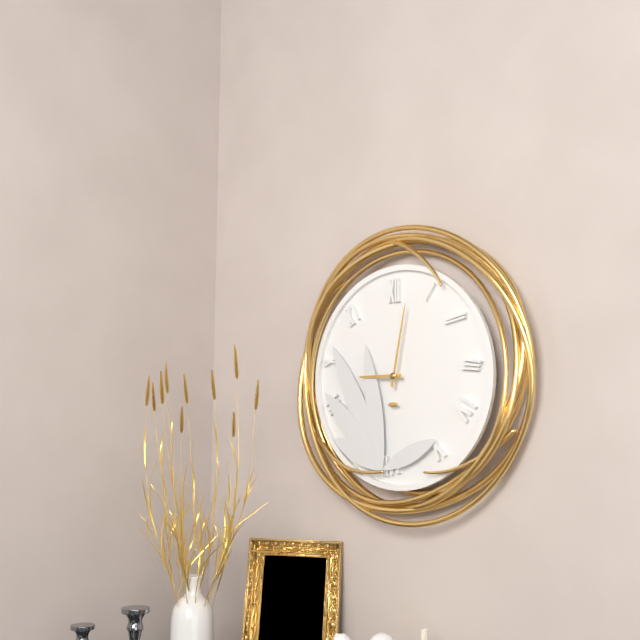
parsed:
9,02
